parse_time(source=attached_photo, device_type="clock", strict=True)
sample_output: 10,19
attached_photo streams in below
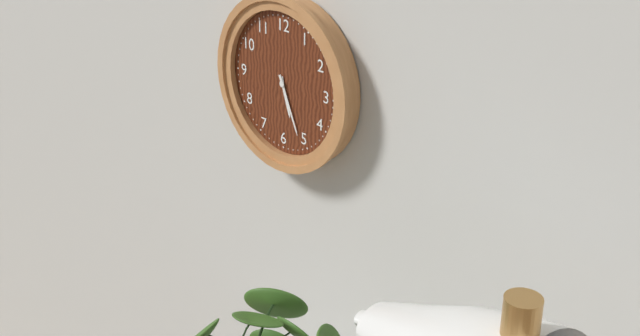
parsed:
5,26
